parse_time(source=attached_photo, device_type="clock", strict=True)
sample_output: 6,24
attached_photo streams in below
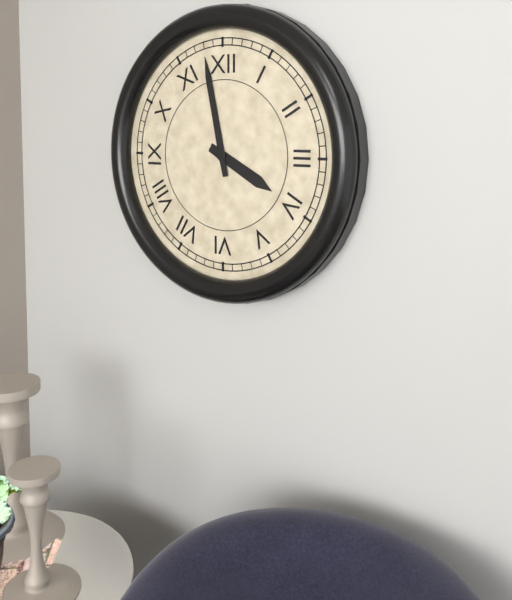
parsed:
3,58
